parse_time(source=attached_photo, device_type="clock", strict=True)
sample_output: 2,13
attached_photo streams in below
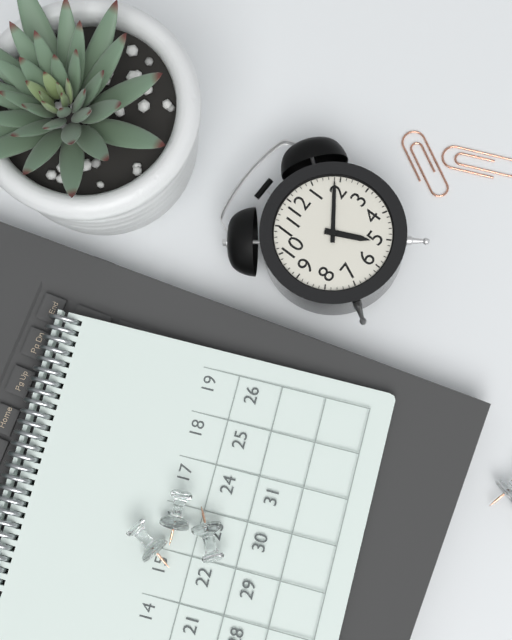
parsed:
5,09
